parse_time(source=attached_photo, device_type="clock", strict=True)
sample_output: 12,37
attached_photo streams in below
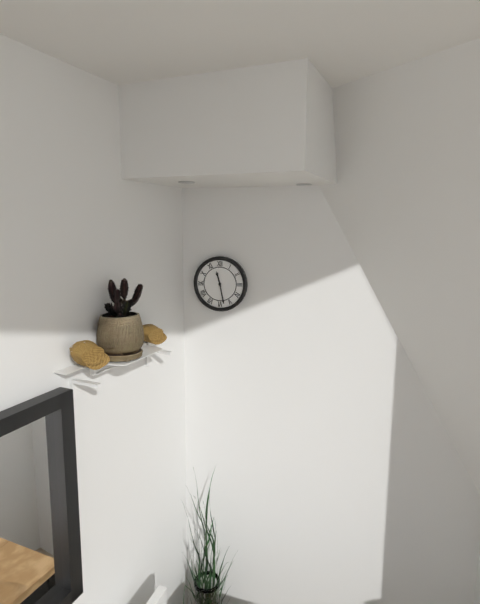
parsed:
11,28
